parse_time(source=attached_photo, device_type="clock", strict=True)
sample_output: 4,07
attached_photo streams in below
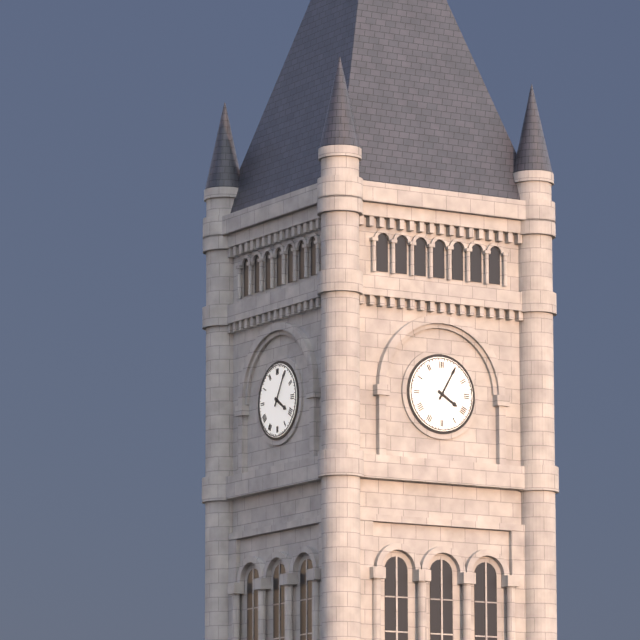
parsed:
4,05
